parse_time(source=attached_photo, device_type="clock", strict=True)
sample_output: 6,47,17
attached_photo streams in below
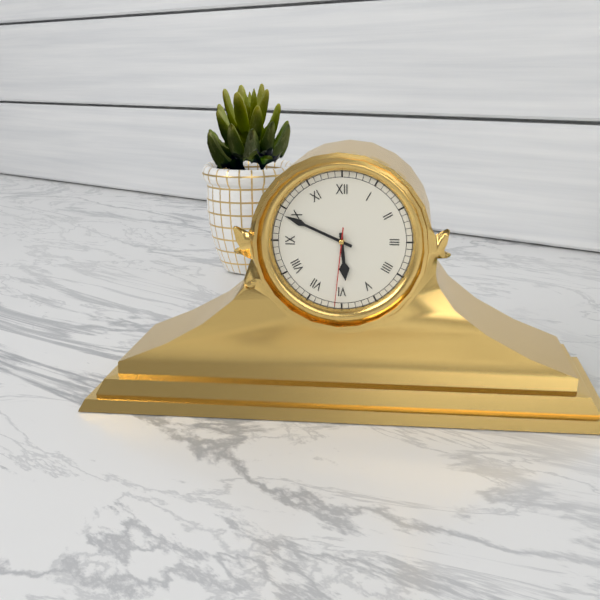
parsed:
5,49,31
